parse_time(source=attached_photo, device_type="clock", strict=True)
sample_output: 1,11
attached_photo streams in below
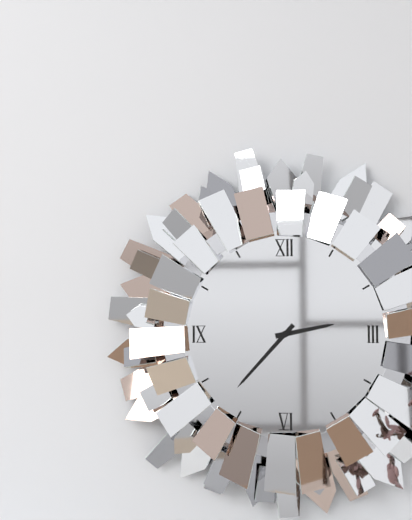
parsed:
2,37
